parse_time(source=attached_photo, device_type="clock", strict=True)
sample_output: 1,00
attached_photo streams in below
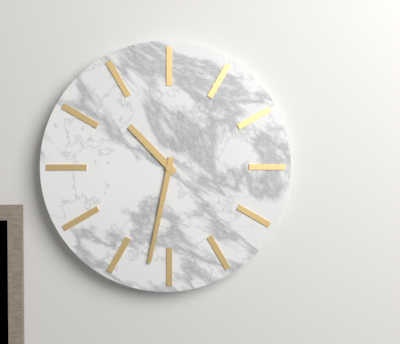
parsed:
10,32
